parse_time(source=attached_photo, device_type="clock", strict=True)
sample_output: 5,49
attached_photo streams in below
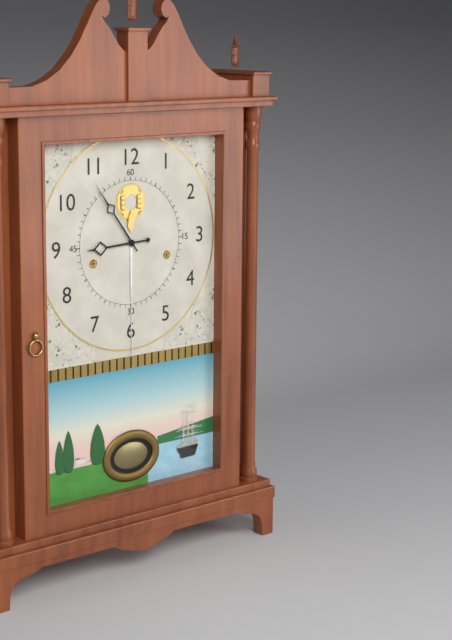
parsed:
8,54
